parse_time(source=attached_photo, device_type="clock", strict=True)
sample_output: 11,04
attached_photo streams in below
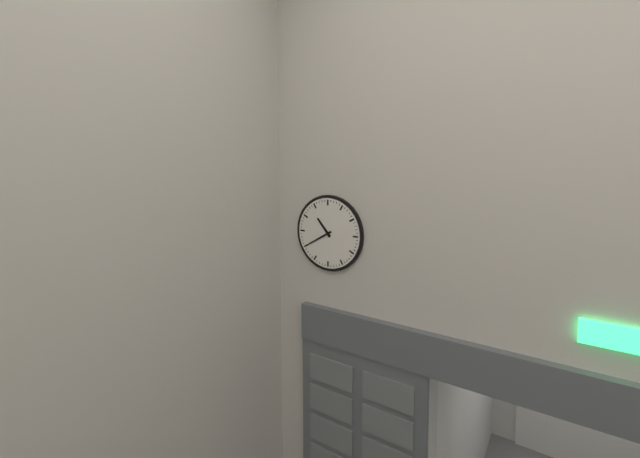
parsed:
10,40
